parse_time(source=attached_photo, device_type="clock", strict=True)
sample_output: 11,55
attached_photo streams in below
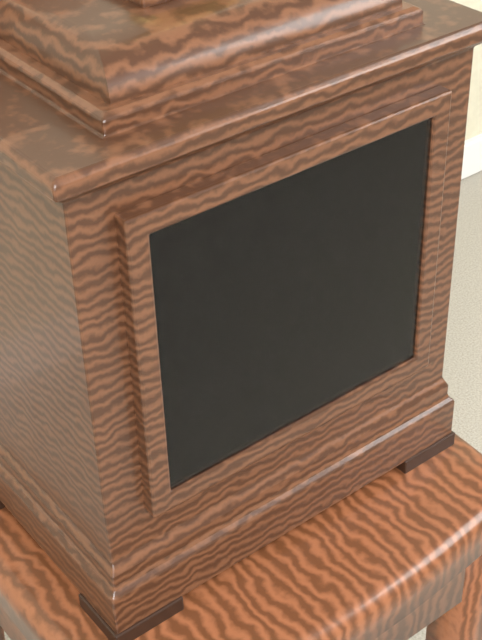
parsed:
12,35
